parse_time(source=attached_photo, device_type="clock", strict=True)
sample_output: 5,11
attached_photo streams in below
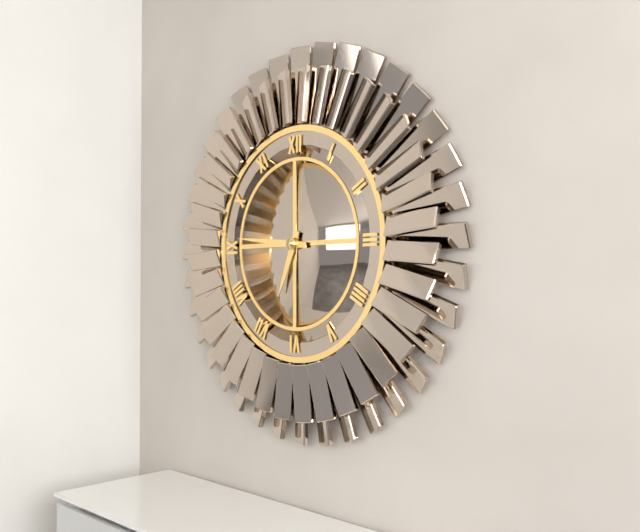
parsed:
6,46
